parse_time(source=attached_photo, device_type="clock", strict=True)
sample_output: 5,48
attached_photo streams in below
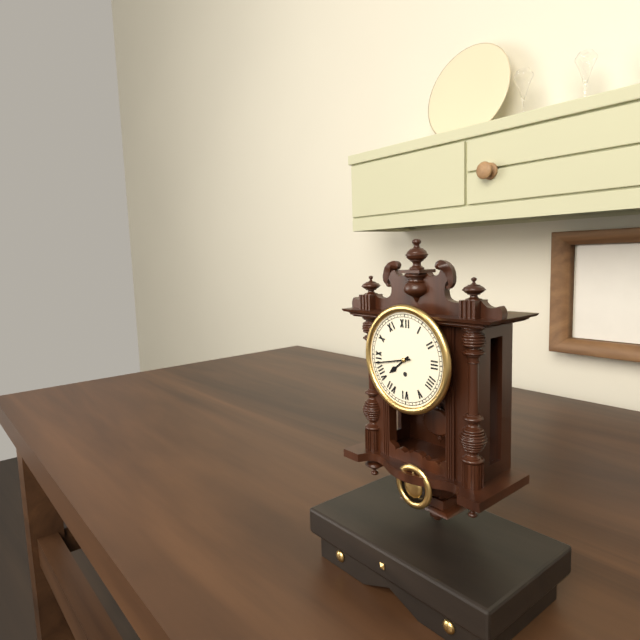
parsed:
7,43
